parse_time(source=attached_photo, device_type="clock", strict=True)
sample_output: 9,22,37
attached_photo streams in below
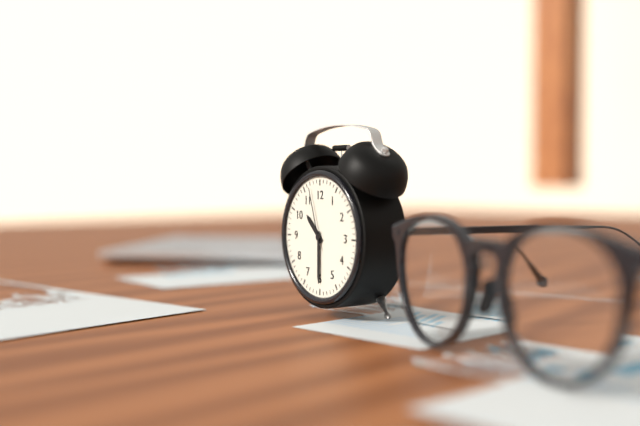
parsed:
10,30,57
